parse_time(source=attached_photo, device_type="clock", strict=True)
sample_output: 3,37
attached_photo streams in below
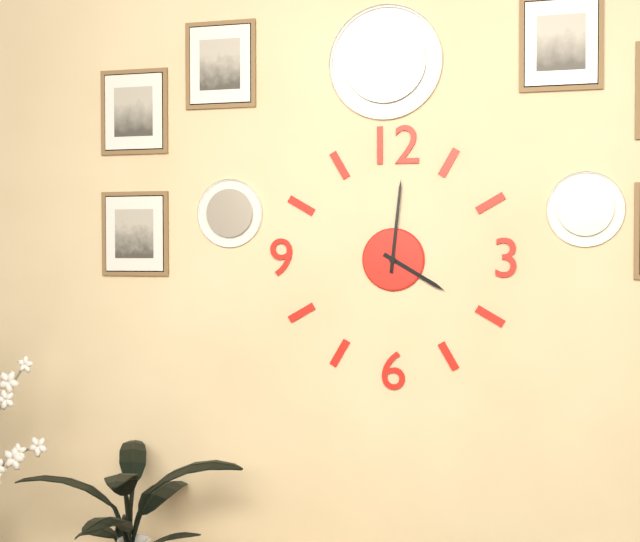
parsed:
4,01
